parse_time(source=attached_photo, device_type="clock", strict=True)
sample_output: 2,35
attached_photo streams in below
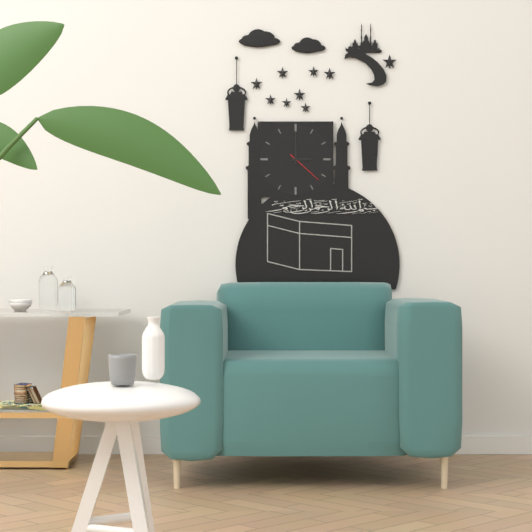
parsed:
3,00
